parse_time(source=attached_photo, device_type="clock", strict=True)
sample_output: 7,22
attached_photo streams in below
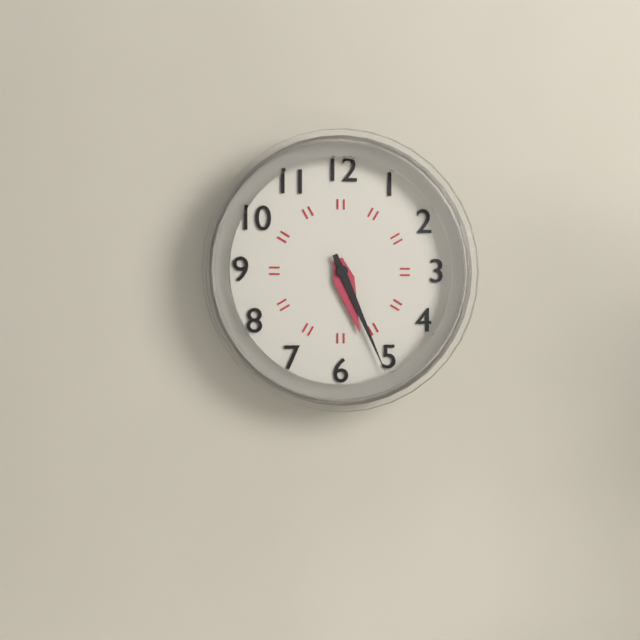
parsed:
5,26
